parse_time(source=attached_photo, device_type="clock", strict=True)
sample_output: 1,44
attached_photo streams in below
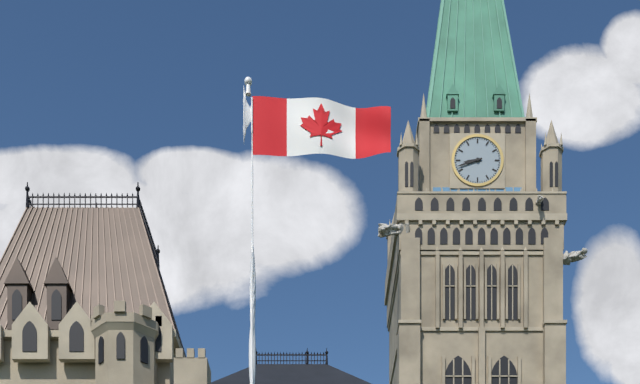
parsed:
8,42
